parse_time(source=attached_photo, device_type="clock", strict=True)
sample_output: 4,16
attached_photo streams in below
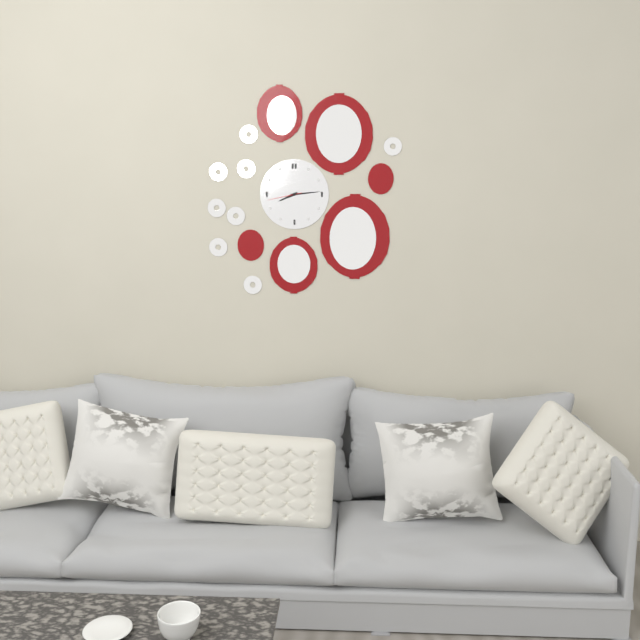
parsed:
8,14
